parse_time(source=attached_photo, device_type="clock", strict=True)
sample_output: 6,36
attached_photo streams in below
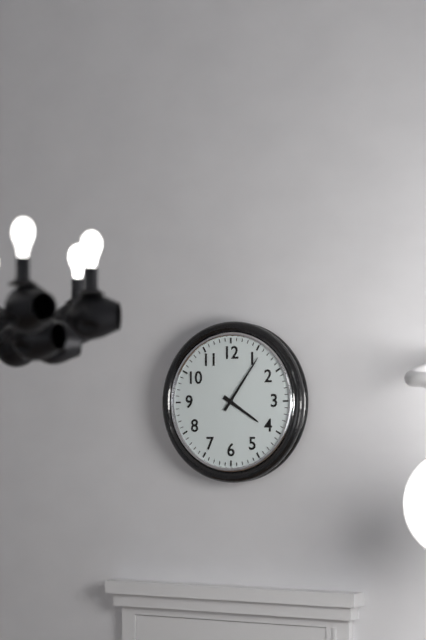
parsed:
4,06
